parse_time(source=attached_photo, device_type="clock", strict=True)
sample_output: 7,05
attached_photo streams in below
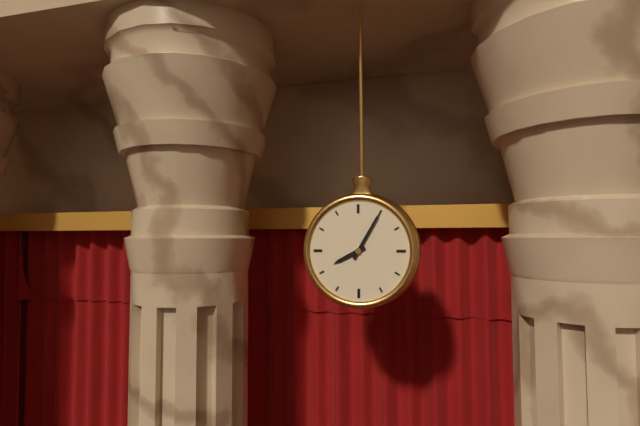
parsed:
8,05
